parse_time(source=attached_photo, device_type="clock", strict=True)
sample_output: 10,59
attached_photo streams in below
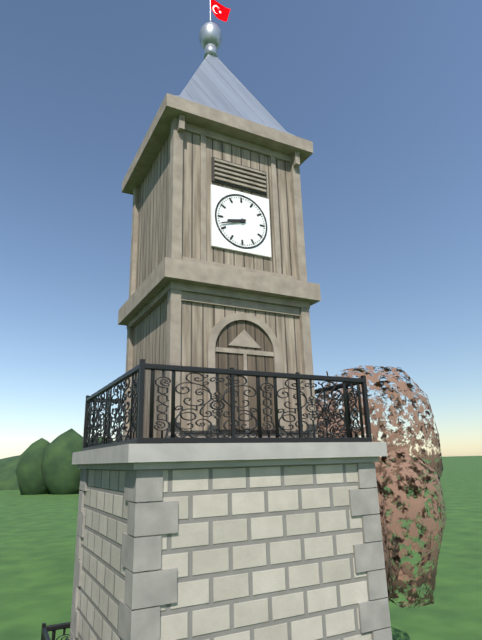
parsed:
8,42
